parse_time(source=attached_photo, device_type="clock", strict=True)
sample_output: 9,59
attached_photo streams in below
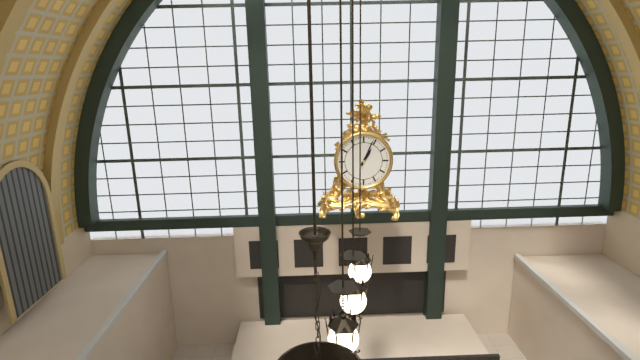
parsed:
1,04
